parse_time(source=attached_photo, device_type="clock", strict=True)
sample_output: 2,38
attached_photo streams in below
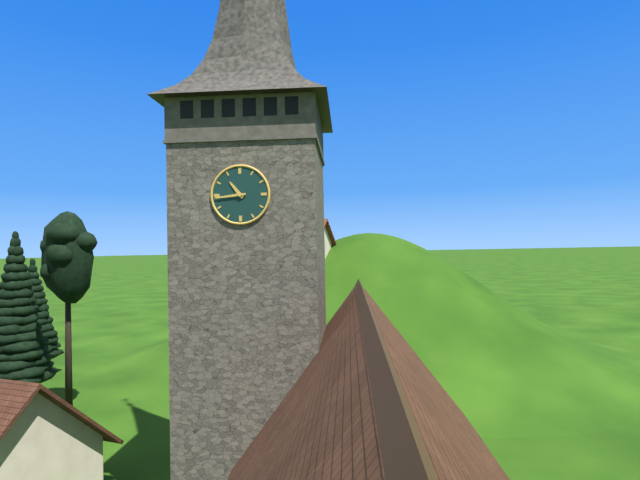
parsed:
10,44
